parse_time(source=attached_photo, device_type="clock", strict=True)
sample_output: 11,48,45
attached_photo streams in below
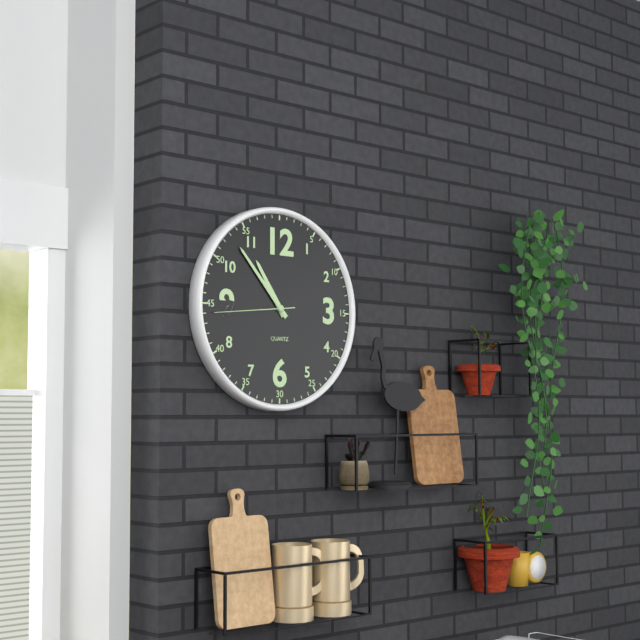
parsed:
10,53,44
